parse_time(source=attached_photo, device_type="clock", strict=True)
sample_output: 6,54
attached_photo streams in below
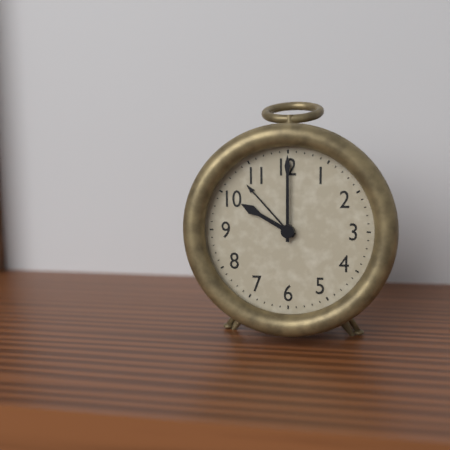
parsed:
10,00
